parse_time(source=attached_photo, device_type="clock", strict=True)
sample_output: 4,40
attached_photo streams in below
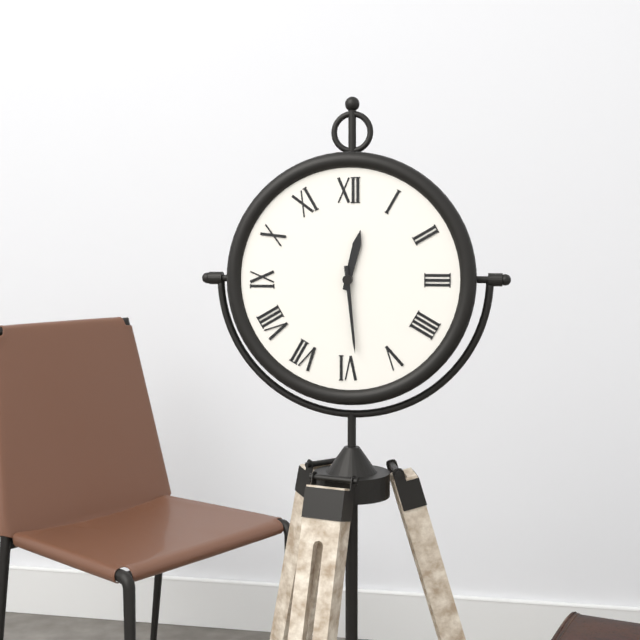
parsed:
12,29
